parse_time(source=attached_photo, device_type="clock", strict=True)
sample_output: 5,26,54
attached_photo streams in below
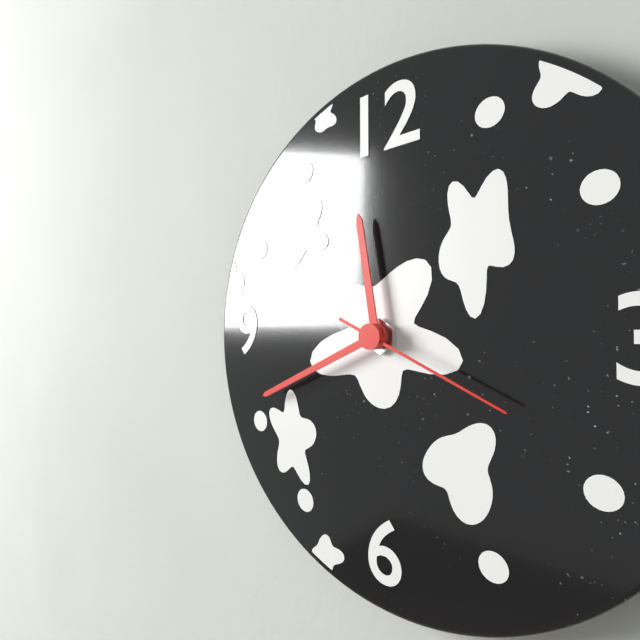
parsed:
11,41,19
